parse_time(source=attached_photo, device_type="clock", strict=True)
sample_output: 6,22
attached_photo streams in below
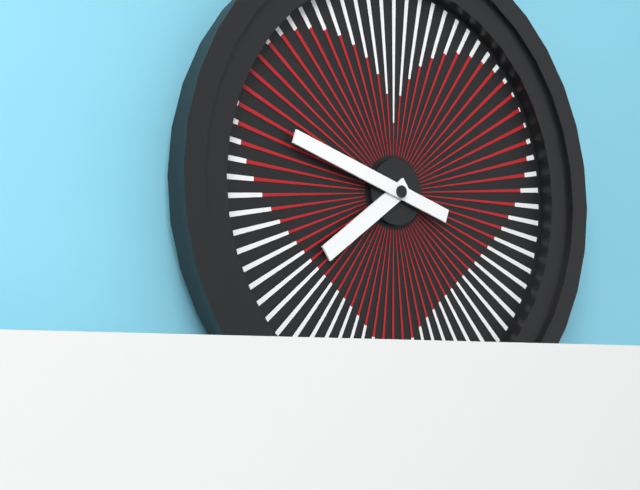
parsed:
7,48
